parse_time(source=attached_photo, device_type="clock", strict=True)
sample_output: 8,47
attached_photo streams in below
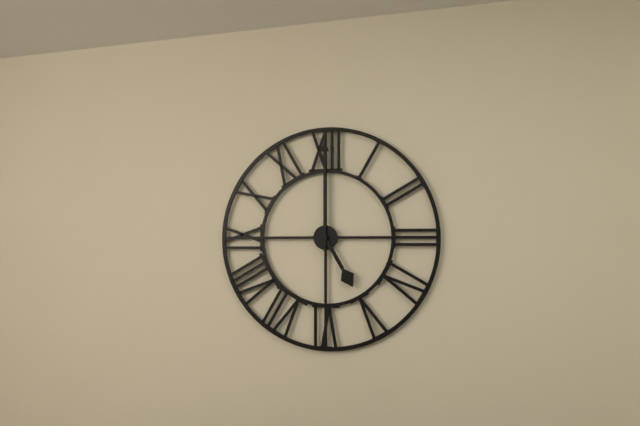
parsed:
5,00
